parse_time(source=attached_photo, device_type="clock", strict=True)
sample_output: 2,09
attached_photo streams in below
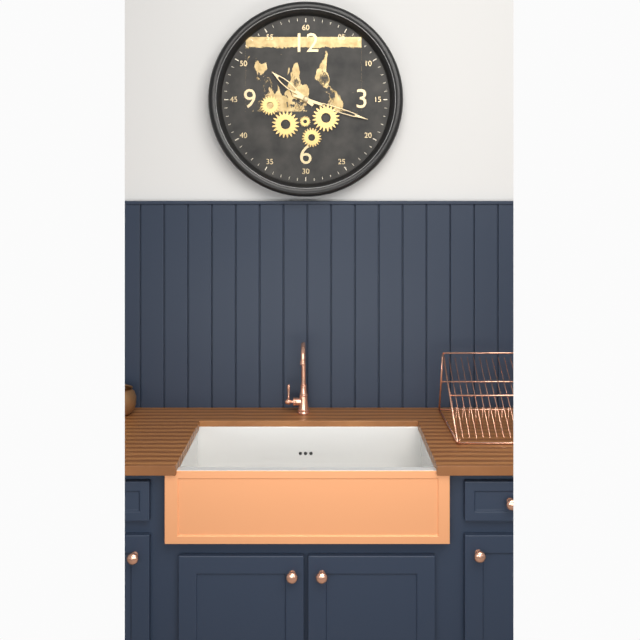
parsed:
10,18
